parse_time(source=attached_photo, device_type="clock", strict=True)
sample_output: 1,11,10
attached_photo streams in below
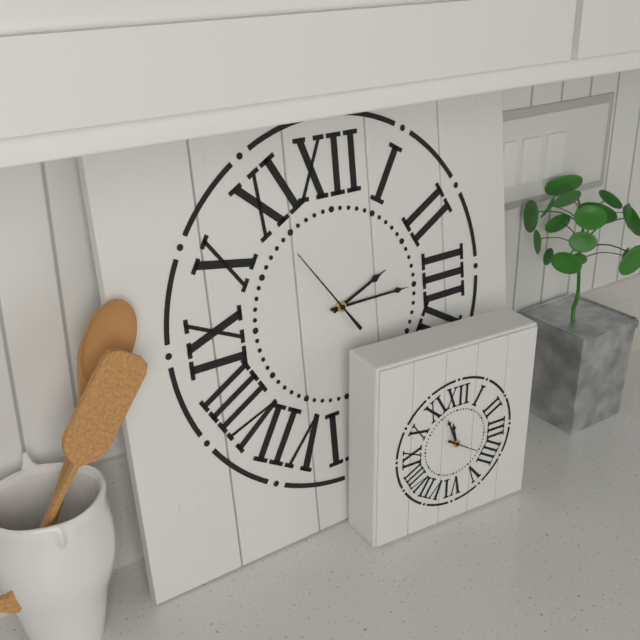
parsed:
2,15,54
